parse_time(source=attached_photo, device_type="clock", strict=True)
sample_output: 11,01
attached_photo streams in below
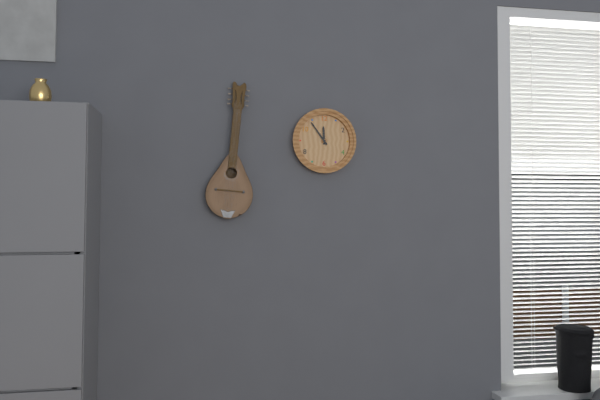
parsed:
11,54
